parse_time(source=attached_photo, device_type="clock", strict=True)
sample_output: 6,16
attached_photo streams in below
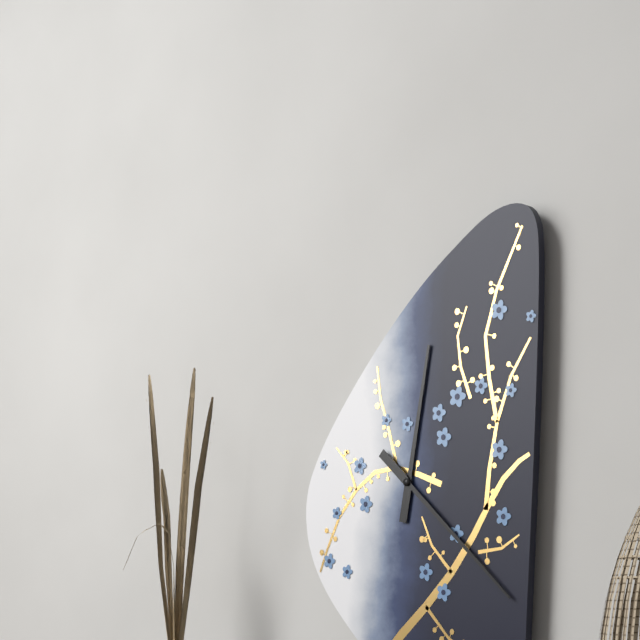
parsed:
12,22
